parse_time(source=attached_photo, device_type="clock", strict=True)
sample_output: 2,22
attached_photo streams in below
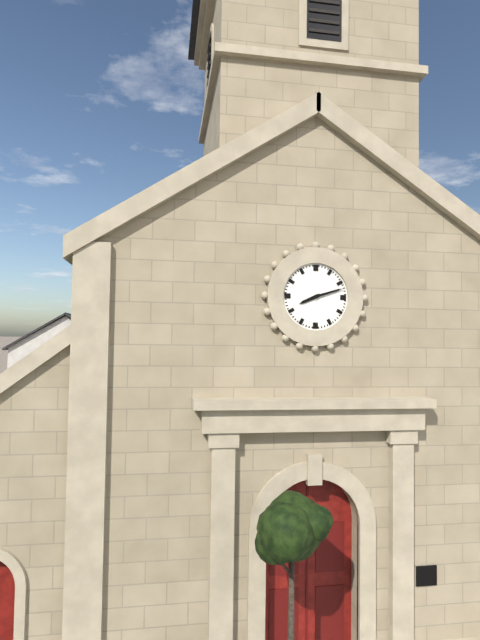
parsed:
8,12
